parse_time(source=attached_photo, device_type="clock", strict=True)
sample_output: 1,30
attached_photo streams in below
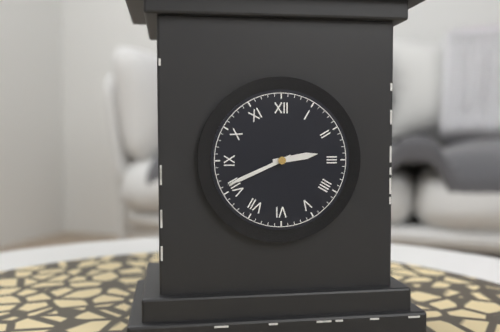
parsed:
2,41
